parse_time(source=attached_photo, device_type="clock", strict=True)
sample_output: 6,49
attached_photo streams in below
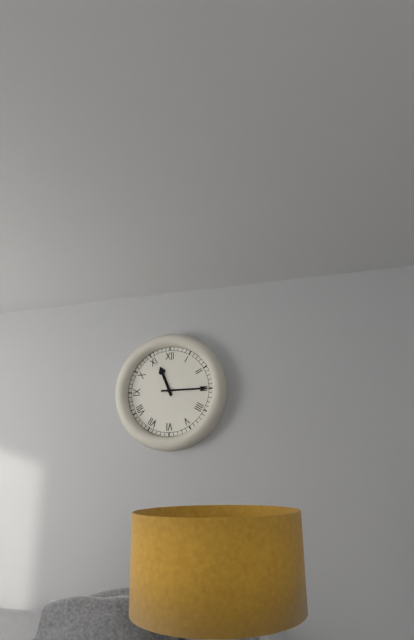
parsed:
11,15
